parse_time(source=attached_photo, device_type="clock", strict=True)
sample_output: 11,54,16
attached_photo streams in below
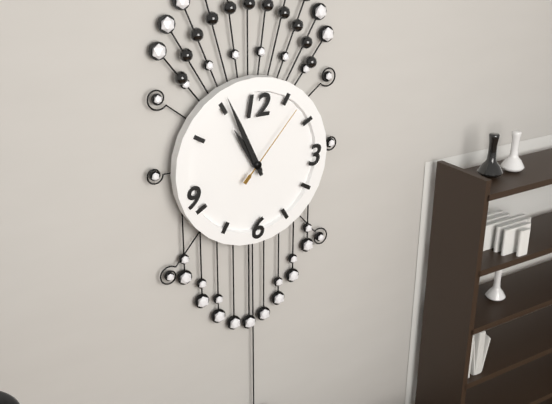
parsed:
10,56,07
